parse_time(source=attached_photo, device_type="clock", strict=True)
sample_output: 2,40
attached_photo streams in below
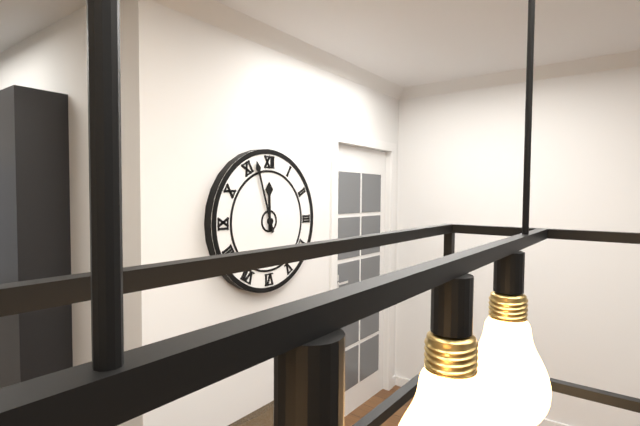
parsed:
11,57
